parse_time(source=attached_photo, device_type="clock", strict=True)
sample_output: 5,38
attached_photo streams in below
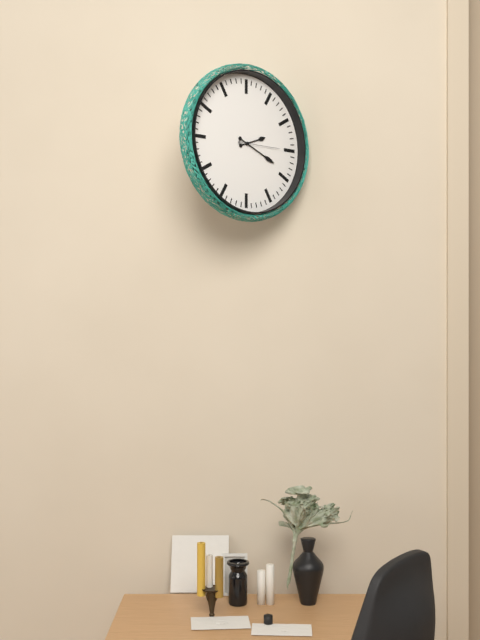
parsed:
2,19
